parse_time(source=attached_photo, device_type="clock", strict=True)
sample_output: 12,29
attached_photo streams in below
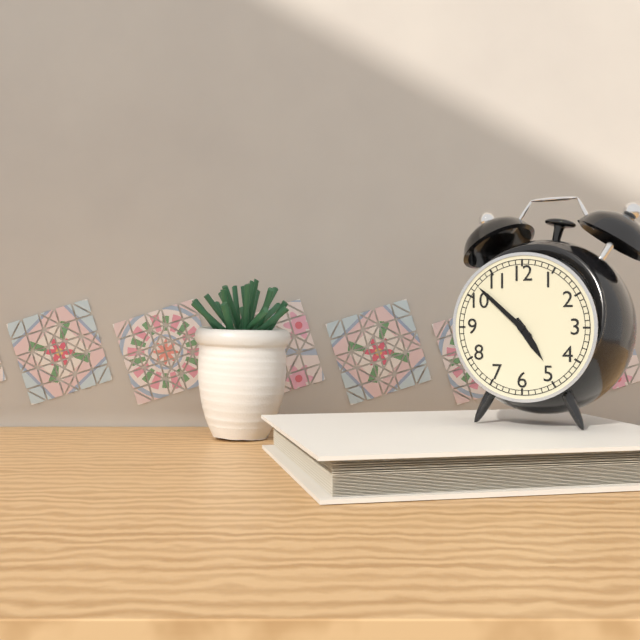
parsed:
4,52
